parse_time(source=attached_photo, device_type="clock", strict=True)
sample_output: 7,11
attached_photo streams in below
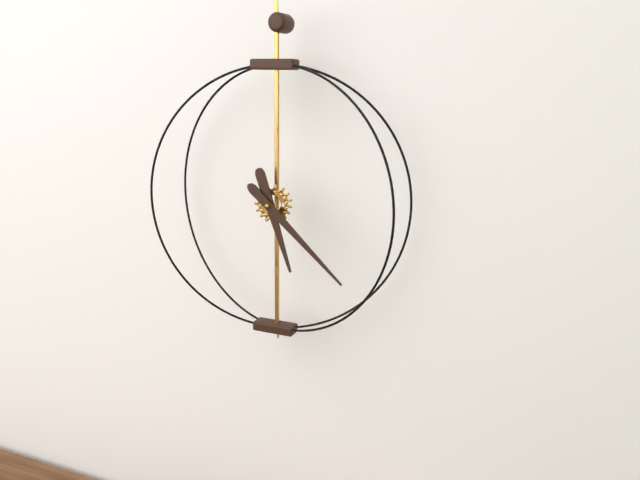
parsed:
5,22
